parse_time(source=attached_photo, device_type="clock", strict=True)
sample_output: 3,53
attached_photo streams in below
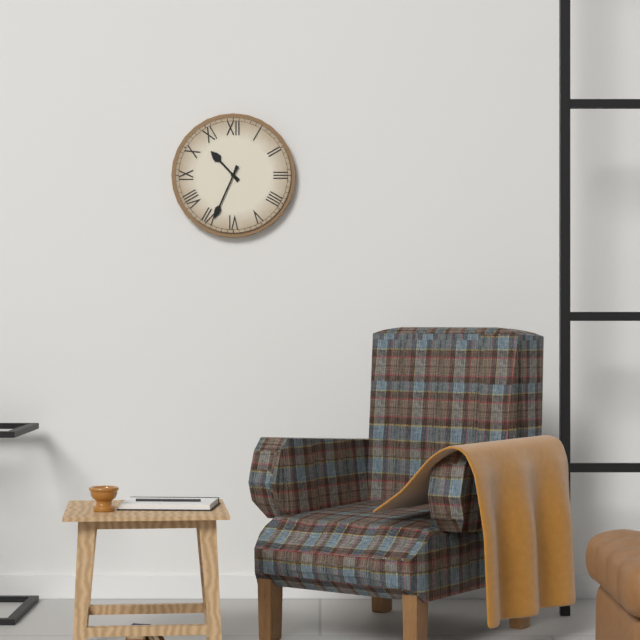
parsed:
10,34
